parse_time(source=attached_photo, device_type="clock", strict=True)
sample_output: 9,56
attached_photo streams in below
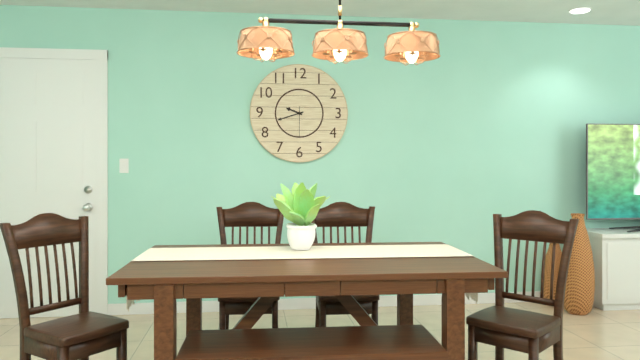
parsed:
9,42
